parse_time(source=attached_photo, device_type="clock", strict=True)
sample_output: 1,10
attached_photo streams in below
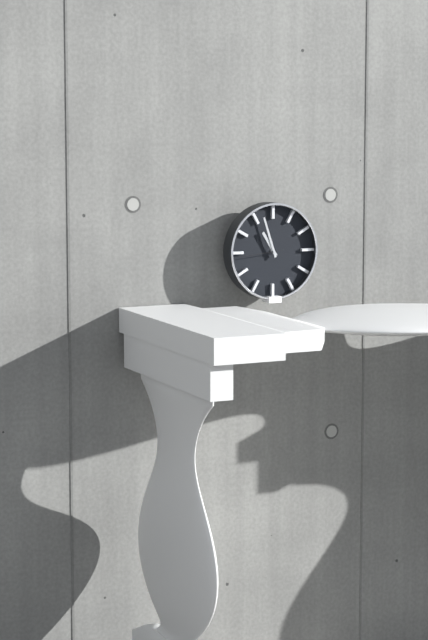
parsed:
10,57
